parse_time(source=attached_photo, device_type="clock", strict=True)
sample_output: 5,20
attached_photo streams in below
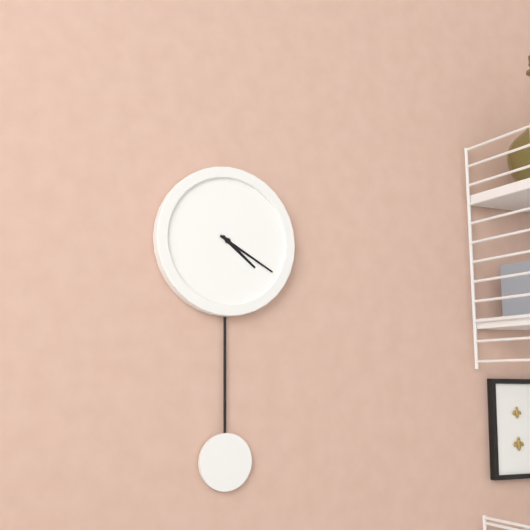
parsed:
4,20
